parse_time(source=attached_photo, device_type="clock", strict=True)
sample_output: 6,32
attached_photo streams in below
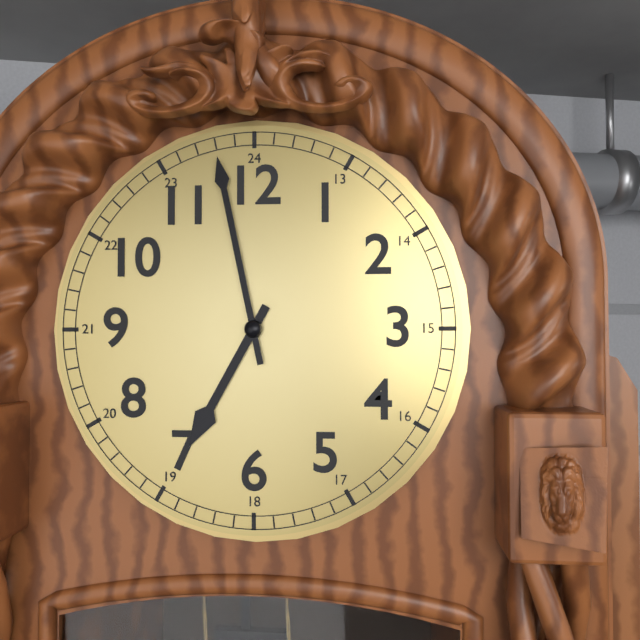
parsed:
6,58
